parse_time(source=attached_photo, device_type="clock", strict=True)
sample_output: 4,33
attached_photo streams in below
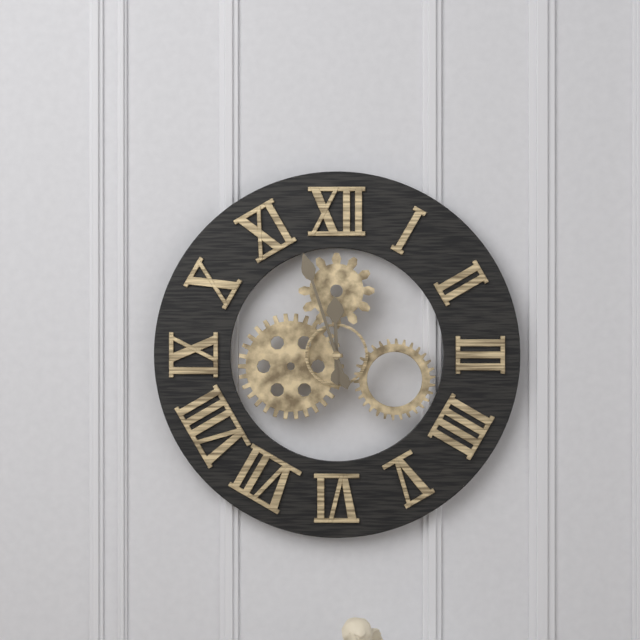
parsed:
11,57
